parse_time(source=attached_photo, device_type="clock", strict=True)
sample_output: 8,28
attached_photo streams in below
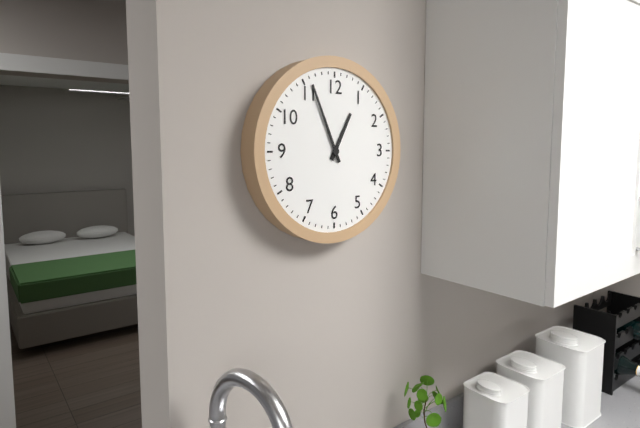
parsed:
12,56
